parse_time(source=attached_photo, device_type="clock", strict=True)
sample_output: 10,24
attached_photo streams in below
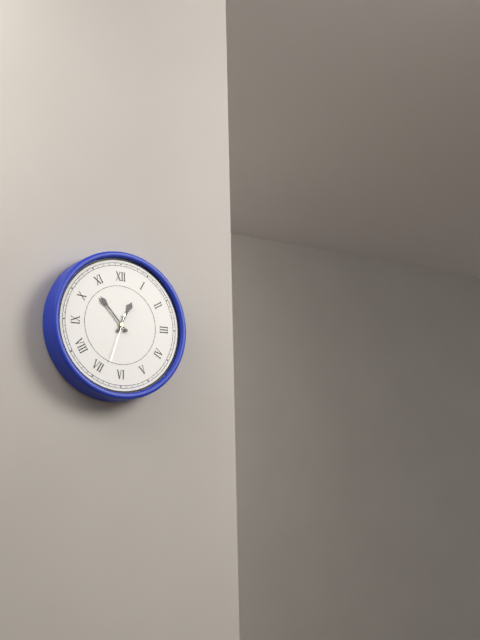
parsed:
12,53
